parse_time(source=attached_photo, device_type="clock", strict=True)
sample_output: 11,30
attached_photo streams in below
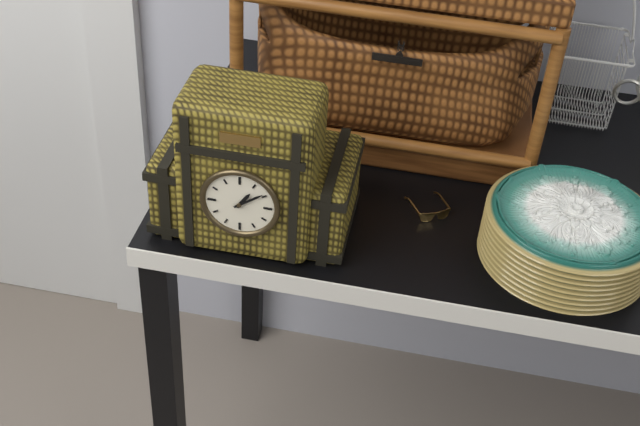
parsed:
1,09
